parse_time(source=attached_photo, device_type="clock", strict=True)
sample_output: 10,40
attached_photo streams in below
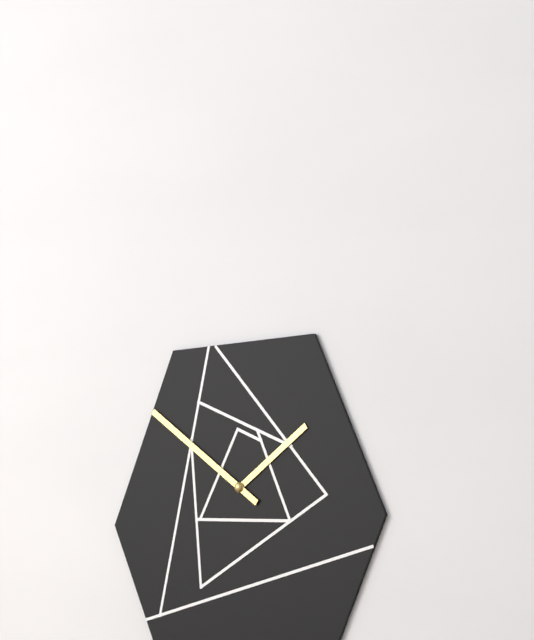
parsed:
1,51
